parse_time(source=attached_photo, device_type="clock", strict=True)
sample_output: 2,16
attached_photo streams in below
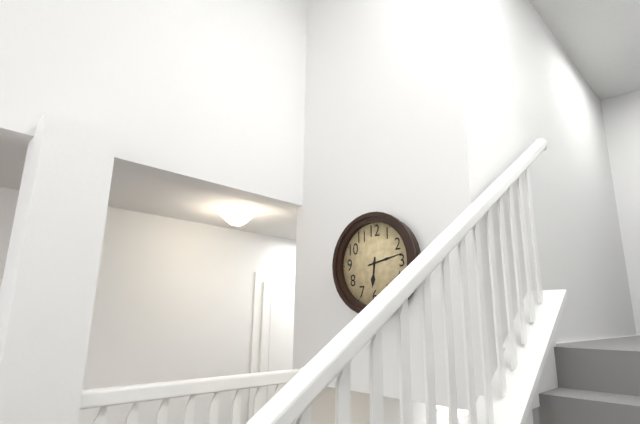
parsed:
6,13
